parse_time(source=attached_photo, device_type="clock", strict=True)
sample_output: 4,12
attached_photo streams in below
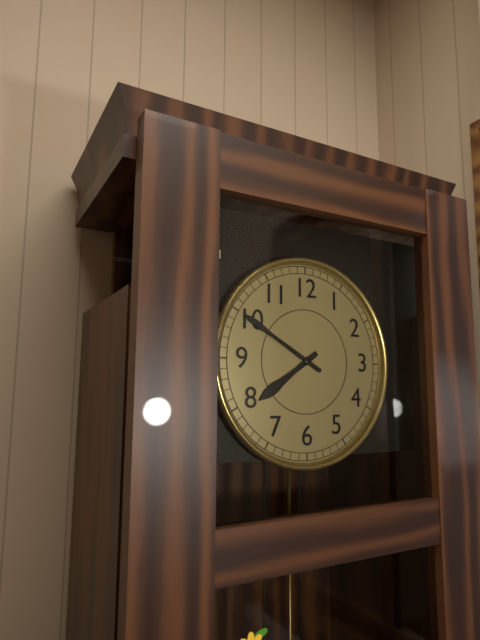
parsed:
7,50
